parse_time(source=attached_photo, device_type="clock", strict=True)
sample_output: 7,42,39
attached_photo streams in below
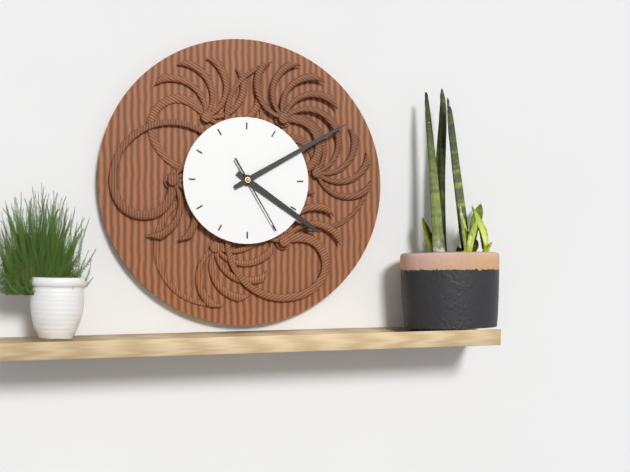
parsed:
4,10,25
